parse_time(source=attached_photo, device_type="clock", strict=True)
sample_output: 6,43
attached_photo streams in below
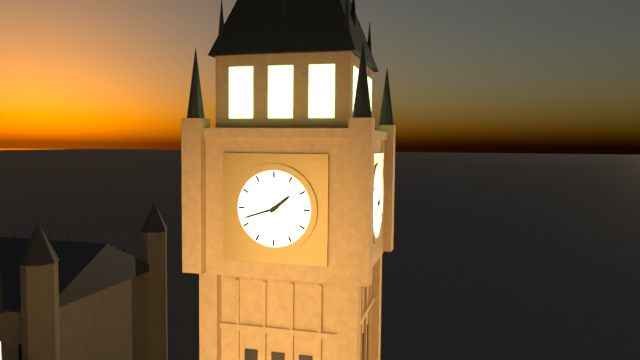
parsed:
1,42
